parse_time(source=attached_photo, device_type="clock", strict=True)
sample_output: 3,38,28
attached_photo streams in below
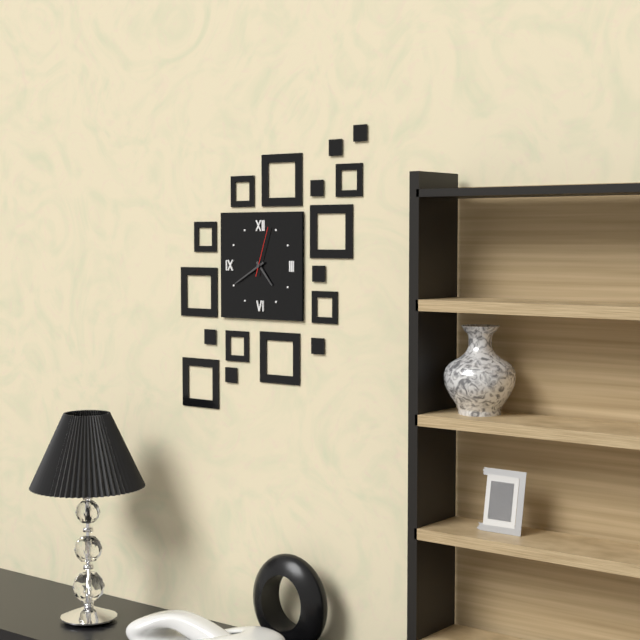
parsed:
4,40,03
